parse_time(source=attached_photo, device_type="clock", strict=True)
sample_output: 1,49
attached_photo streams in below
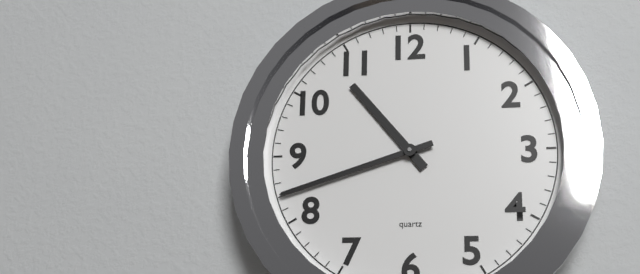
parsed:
10,42
